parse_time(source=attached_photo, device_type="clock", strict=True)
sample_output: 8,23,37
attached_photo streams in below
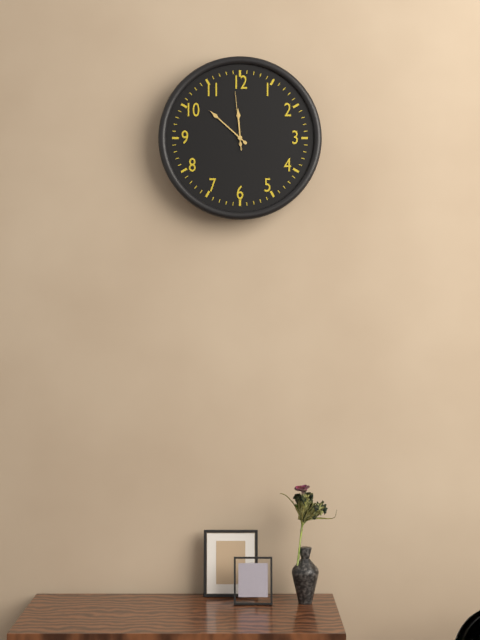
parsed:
11,52,59
